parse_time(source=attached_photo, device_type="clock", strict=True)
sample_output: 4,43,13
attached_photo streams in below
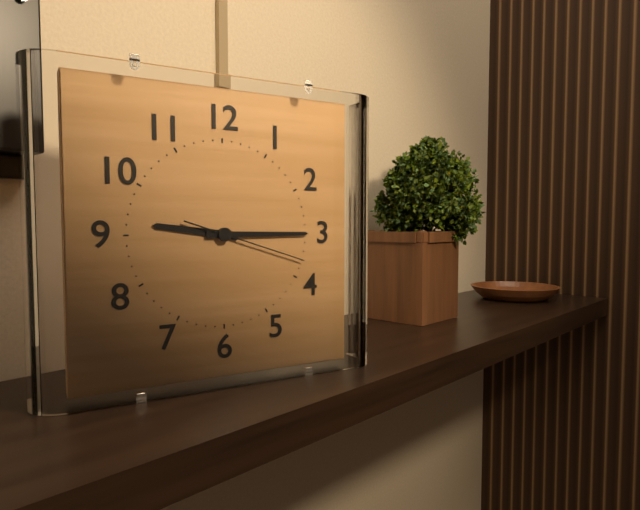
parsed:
9,15,18
